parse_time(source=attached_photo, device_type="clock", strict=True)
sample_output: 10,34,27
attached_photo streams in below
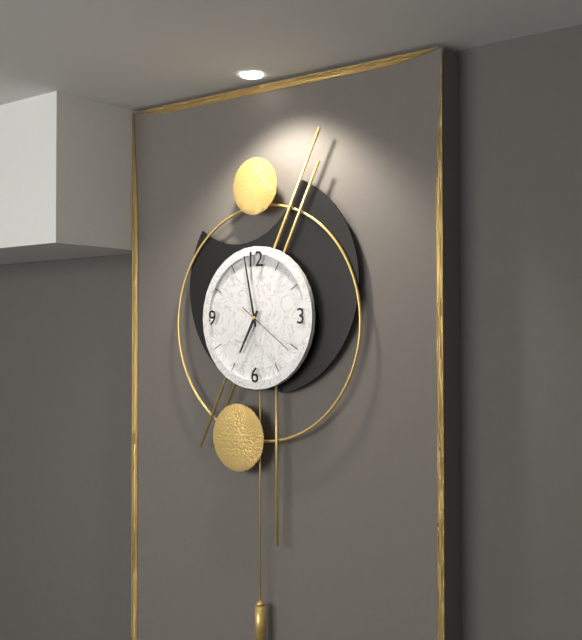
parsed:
6,58,21
